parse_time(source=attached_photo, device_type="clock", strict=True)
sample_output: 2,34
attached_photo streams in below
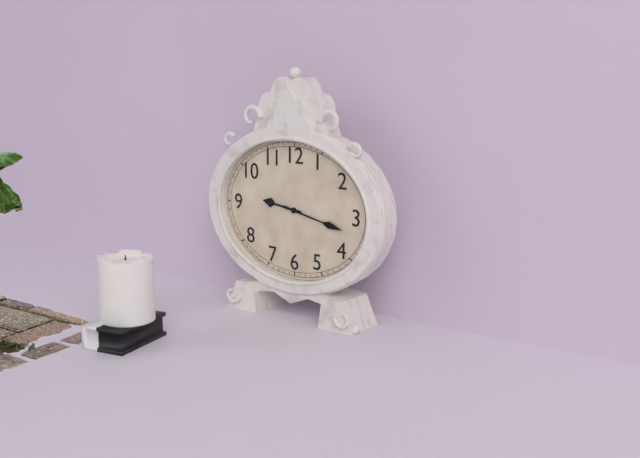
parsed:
9,17
